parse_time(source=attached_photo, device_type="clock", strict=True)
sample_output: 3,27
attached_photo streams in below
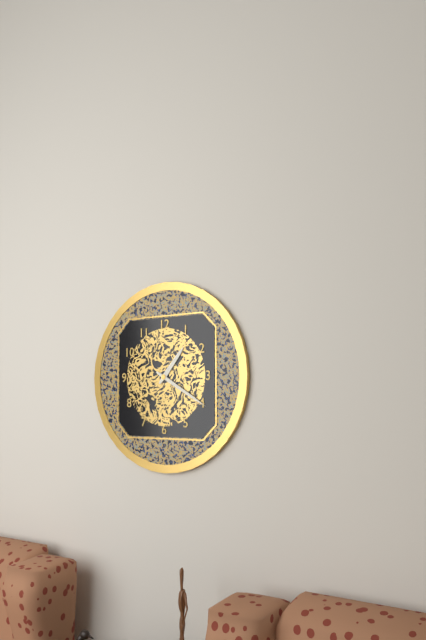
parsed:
1,20
